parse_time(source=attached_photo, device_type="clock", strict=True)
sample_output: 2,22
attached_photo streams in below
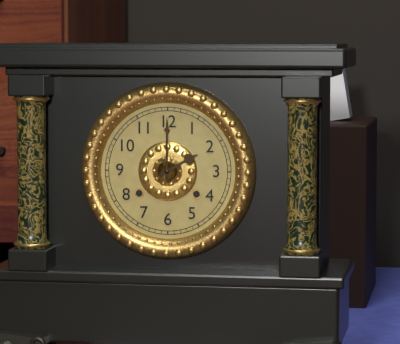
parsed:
2,00
